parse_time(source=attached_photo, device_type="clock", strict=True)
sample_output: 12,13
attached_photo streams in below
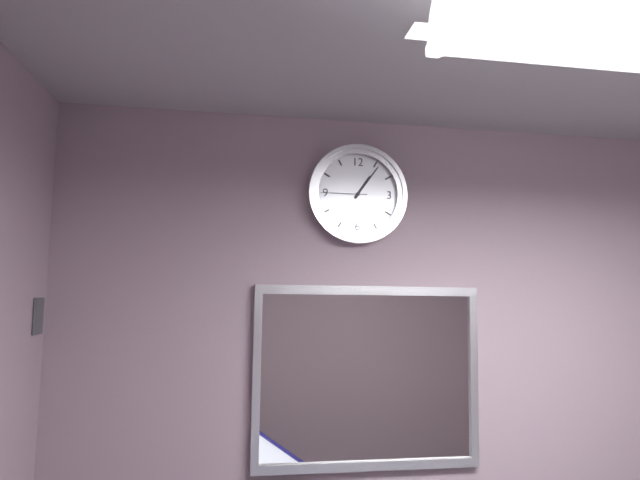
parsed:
1,06
